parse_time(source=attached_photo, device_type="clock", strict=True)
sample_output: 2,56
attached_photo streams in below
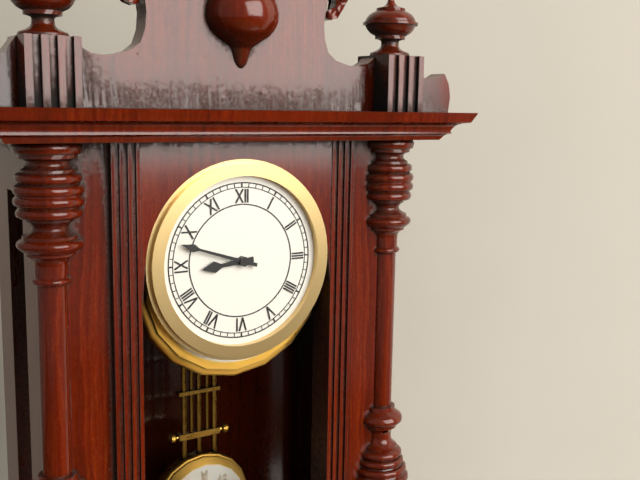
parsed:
8,48
